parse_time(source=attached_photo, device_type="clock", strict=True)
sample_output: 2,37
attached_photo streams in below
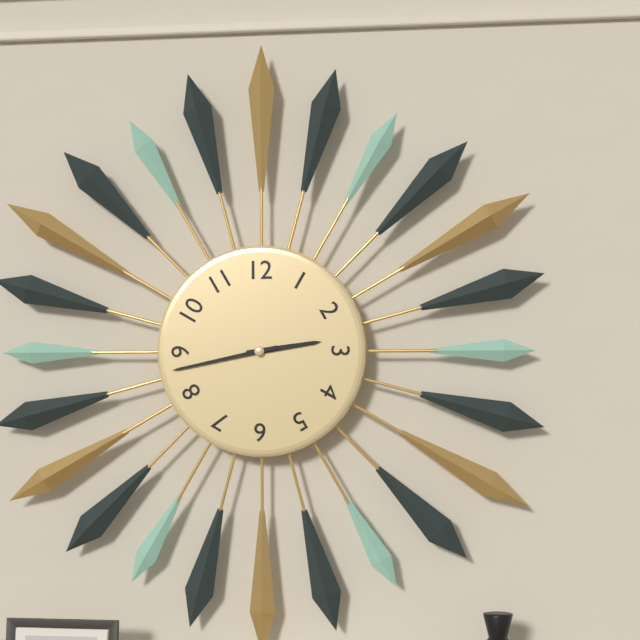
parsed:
2,43
